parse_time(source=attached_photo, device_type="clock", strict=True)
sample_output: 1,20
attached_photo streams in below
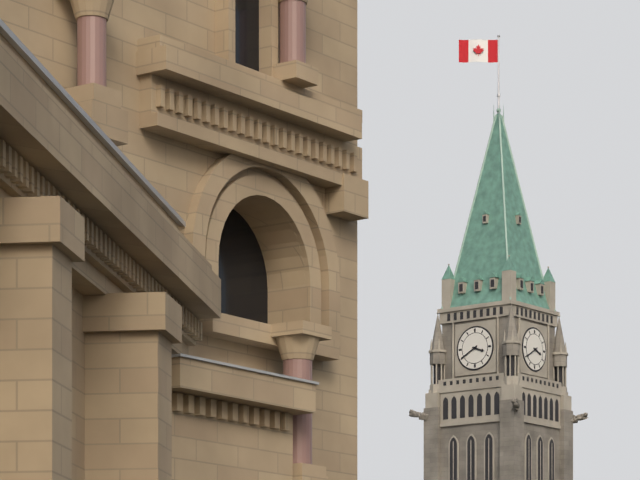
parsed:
3,40
